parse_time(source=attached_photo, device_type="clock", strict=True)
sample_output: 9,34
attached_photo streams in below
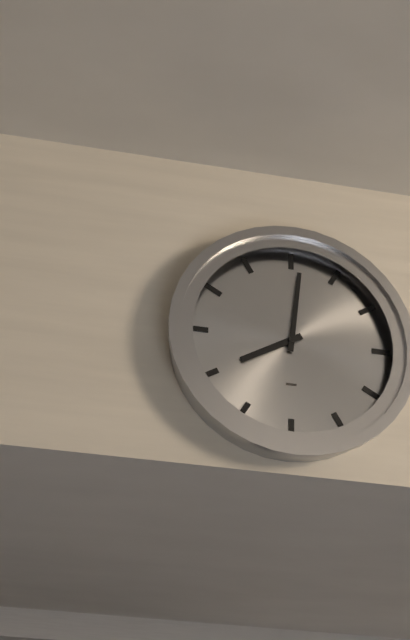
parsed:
8,01
